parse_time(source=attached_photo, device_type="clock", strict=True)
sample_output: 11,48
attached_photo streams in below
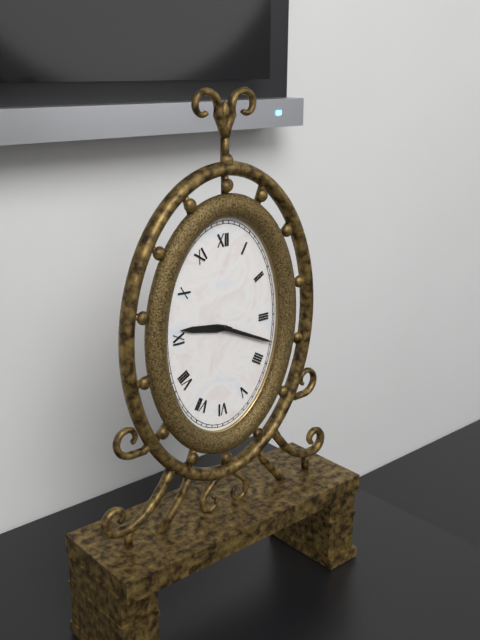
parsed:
9,19
